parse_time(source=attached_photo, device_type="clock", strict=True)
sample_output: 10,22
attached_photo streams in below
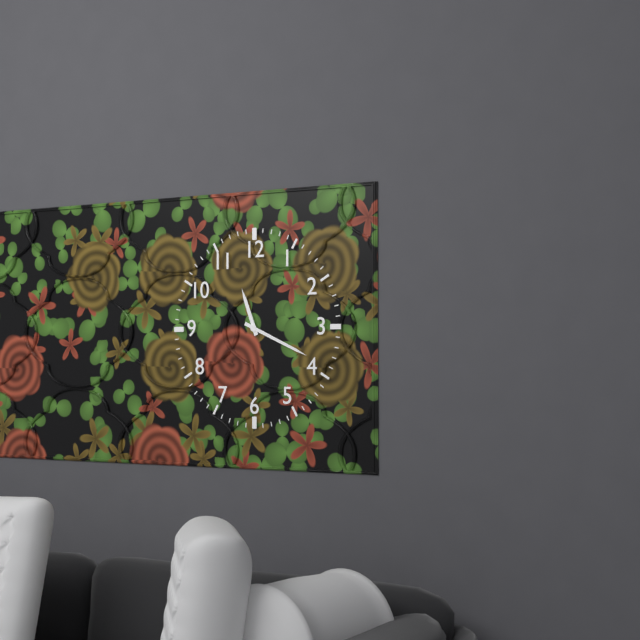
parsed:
11,19
